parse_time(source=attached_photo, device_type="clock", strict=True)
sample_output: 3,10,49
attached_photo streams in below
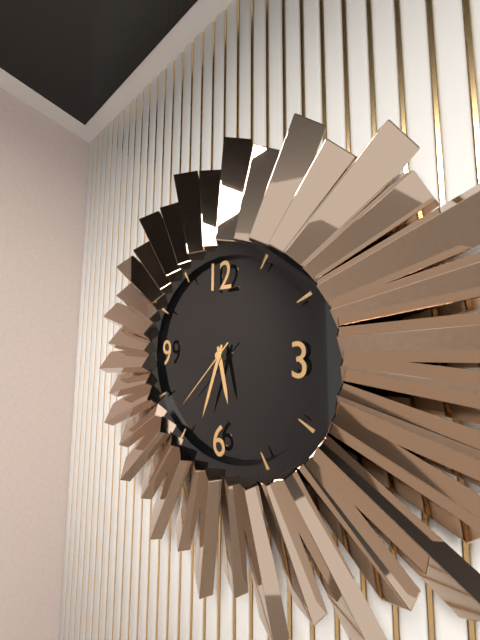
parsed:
5,33,37
